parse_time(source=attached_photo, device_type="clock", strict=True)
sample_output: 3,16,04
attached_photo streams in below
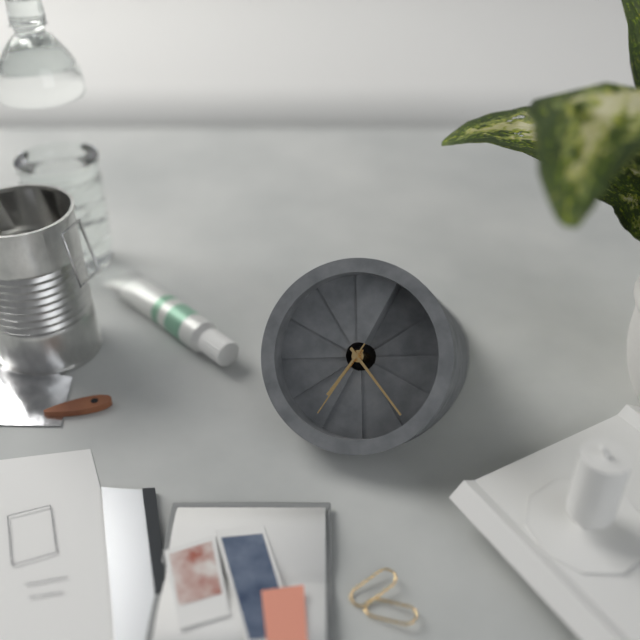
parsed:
6,19,31
